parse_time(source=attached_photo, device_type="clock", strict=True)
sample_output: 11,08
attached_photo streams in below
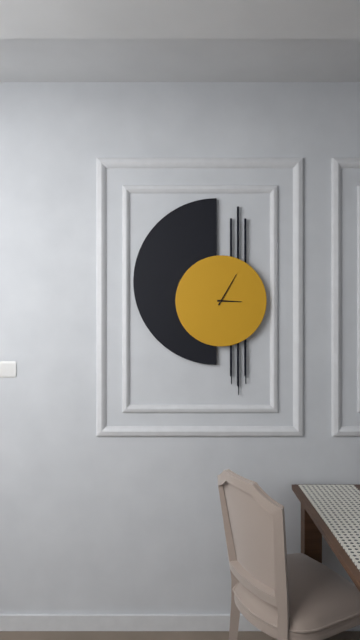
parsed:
3,05
